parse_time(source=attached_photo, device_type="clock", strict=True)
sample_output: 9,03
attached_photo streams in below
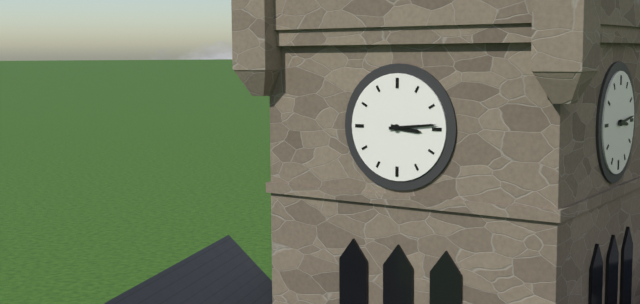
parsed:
3,14
